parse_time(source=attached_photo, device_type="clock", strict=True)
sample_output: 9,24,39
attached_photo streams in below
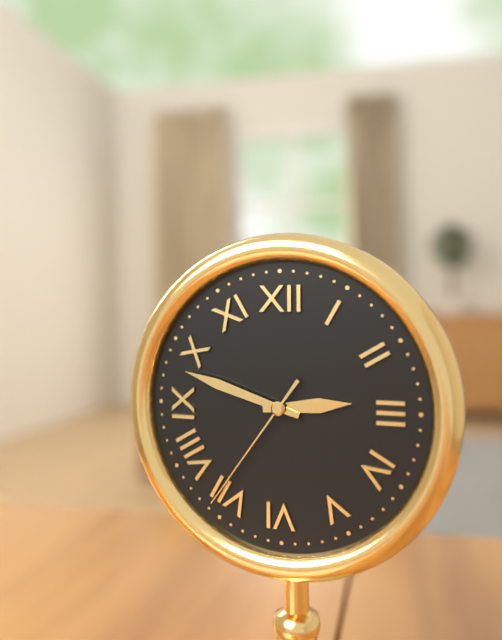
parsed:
2,48,36
